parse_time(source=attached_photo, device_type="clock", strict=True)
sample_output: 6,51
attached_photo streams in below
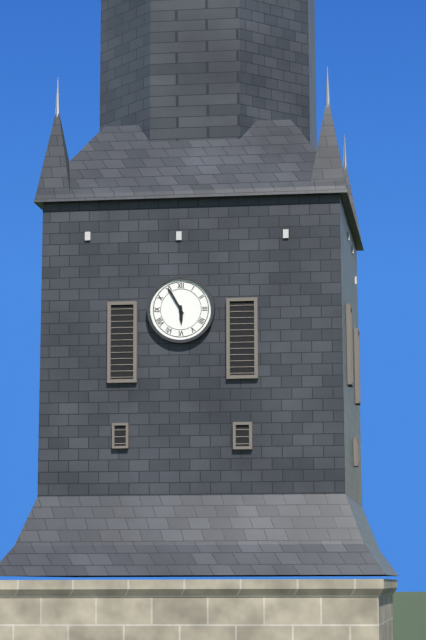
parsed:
5,55
